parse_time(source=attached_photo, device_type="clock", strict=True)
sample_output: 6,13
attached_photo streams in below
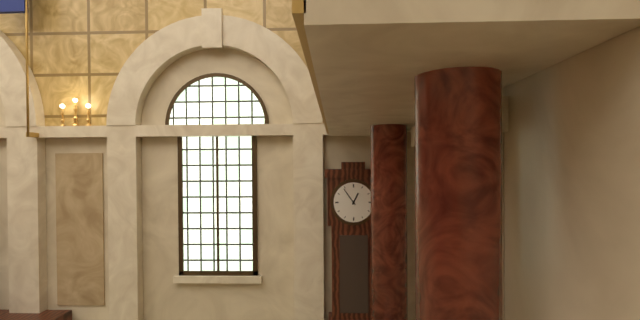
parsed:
12,54
